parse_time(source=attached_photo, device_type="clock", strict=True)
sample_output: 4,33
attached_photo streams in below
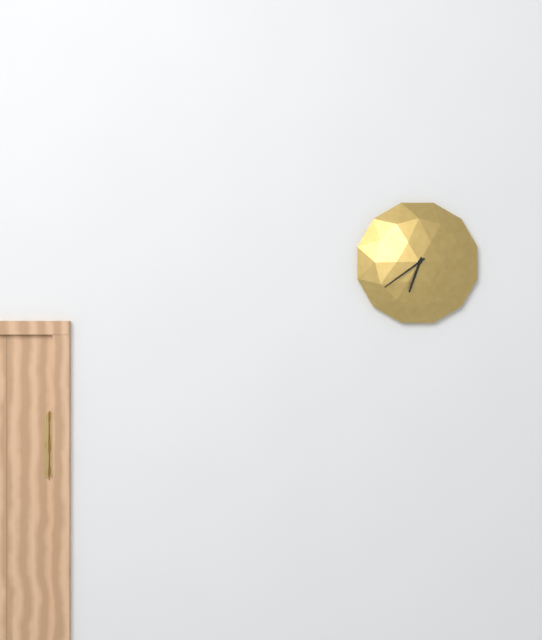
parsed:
6,39
